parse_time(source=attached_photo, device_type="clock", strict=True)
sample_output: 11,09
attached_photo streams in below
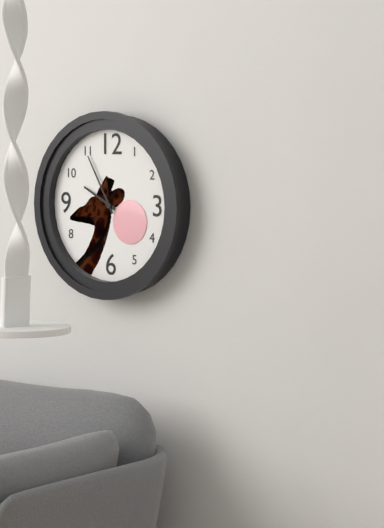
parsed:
9,55
